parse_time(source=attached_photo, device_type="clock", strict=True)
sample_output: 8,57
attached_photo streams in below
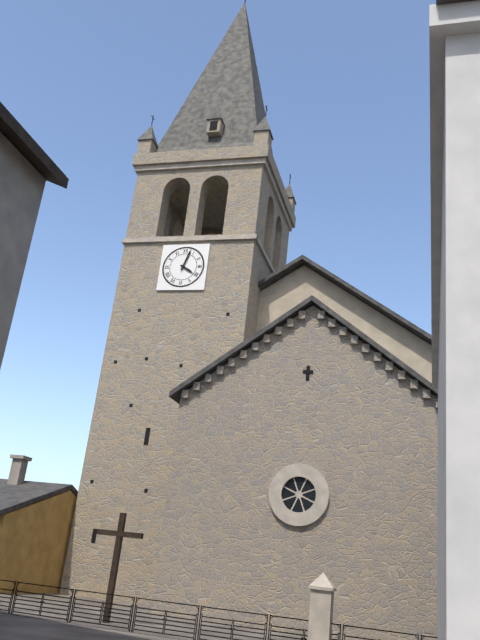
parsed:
4,03
